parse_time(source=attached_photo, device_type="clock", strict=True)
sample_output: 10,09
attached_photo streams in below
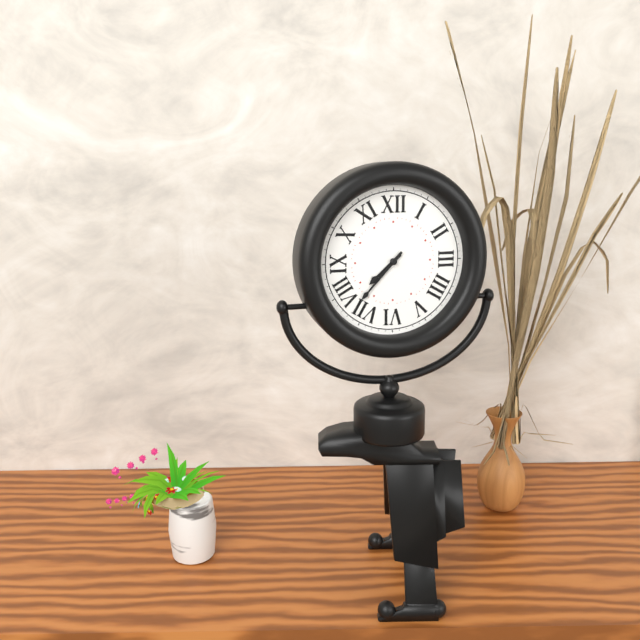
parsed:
7,37
